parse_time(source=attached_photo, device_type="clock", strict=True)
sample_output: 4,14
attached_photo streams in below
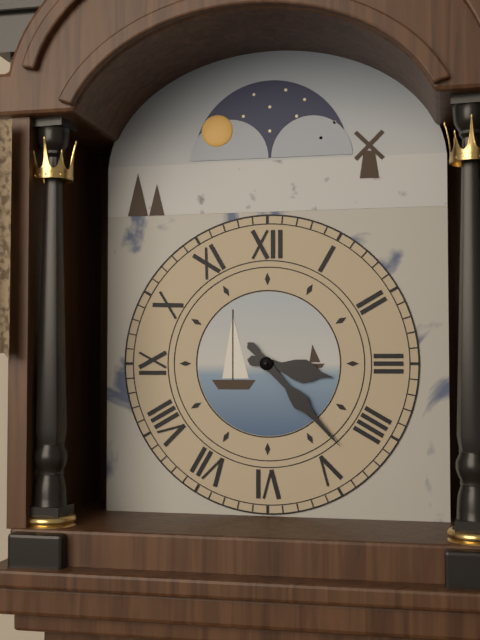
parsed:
3,23
